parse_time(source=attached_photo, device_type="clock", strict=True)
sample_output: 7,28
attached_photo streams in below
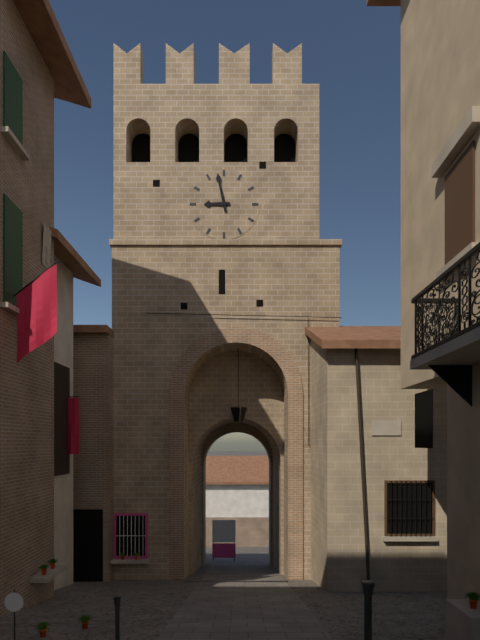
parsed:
8,58
